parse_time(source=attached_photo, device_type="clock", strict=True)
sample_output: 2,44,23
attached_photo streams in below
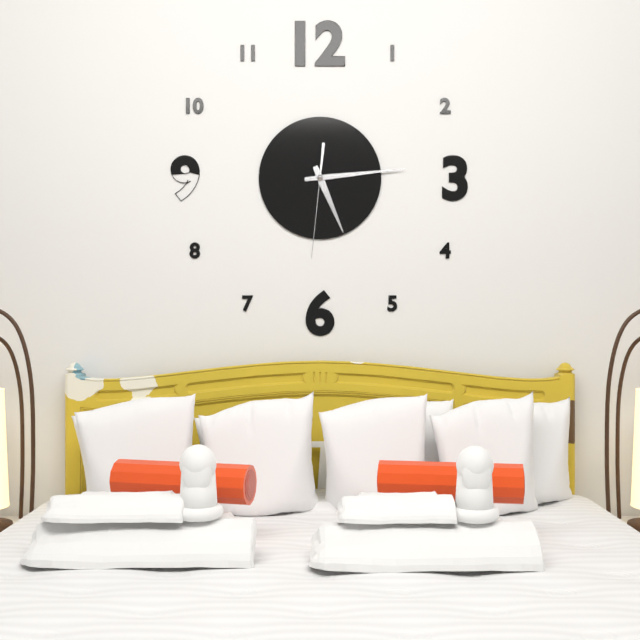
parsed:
5,14,31
